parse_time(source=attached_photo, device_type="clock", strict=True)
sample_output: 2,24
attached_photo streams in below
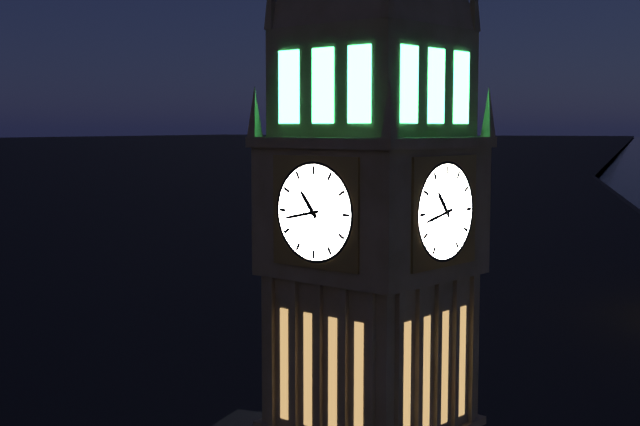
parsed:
10,43
